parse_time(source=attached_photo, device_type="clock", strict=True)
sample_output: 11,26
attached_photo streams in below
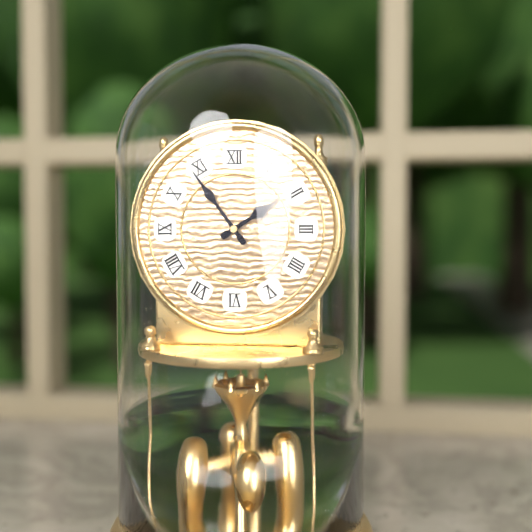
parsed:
1,54
